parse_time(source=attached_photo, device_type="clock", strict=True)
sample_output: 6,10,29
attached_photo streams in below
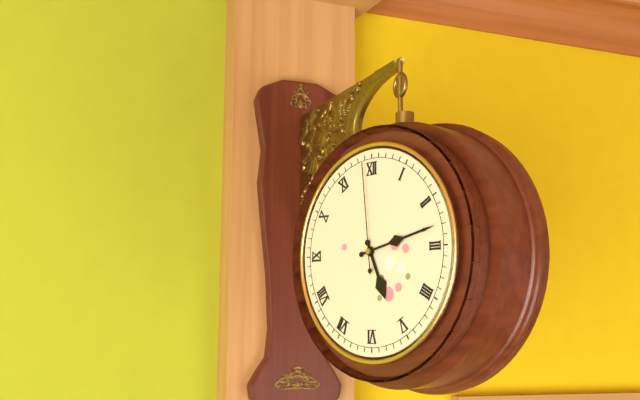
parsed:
5,13,59
